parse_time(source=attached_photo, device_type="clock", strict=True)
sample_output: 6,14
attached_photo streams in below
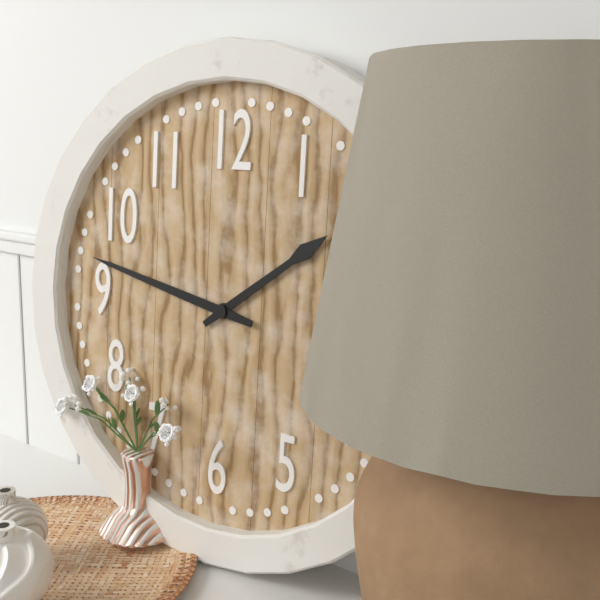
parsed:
1,47
